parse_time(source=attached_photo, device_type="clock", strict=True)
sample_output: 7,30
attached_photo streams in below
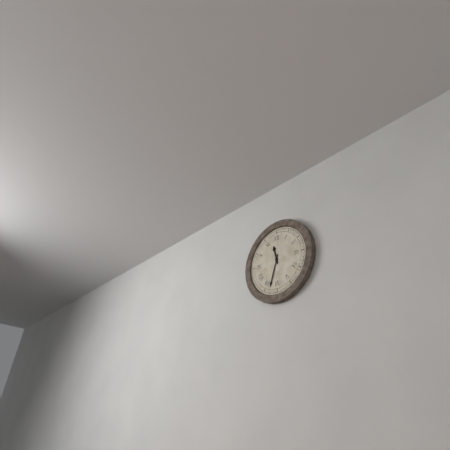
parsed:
11,33
